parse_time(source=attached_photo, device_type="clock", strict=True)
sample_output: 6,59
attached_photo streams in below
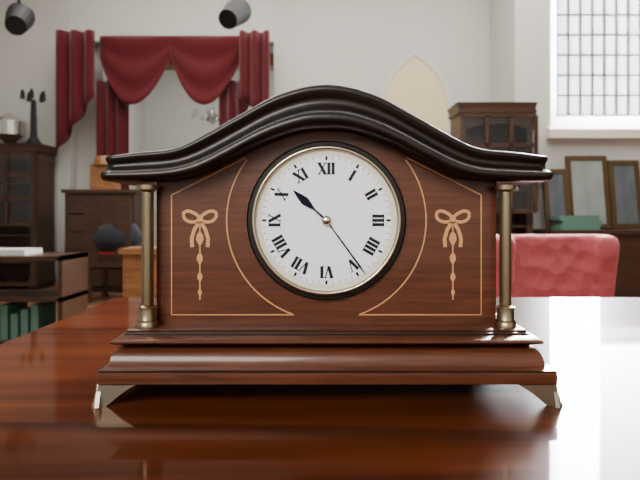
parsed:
10,24
